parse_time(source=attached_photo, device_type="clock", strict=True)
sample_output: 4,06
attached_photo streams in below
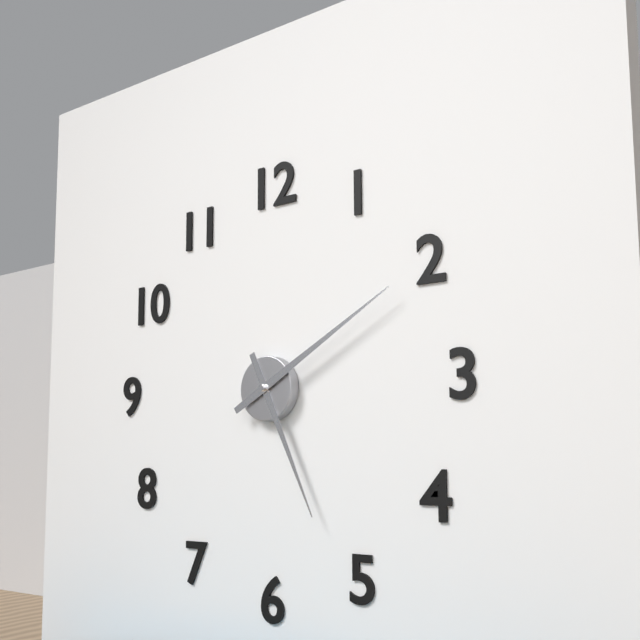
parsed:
5,10
